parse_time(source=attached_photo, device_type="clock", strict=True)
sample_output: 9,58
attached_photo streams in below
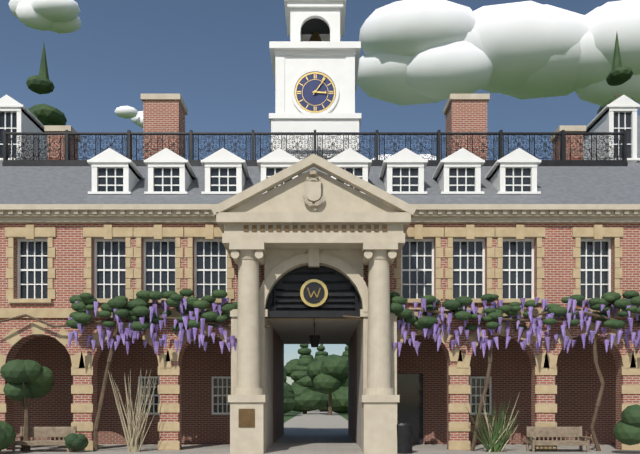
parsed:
3,06
